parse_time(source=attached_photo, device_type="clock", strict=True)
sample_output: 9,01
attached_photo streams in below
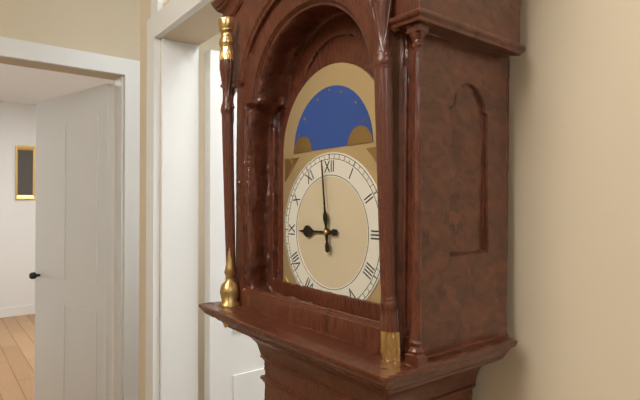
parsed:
8,59
